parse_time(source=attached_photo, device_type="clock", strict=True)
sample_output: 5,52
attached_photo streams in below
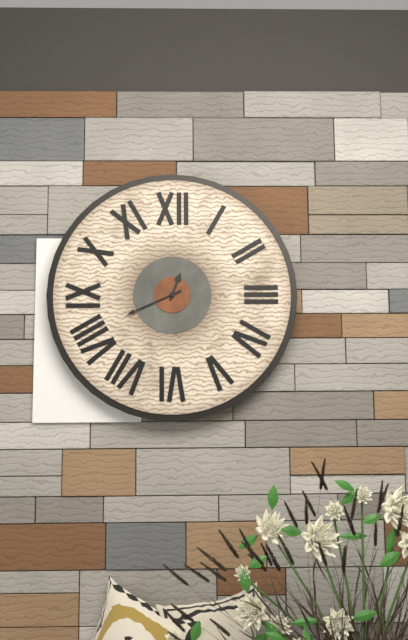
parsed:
12,41
